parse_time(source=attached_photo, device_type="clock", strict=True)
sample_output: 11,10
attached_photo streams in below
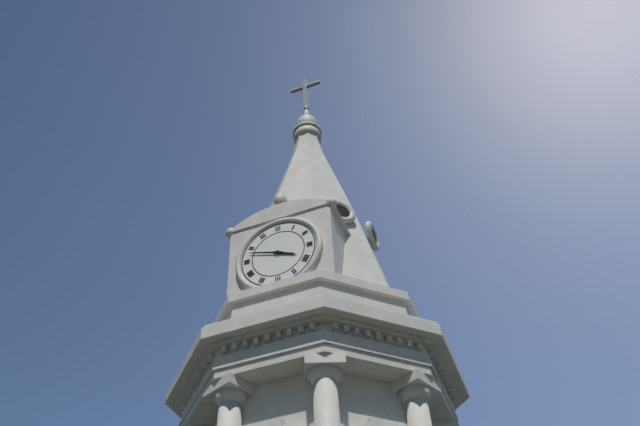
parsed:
3,48
